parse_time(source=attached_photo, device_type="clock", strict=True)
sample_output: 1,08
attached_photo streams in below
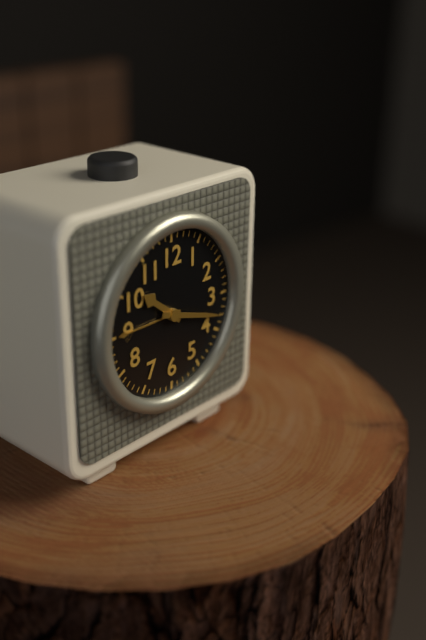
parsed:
10,18
